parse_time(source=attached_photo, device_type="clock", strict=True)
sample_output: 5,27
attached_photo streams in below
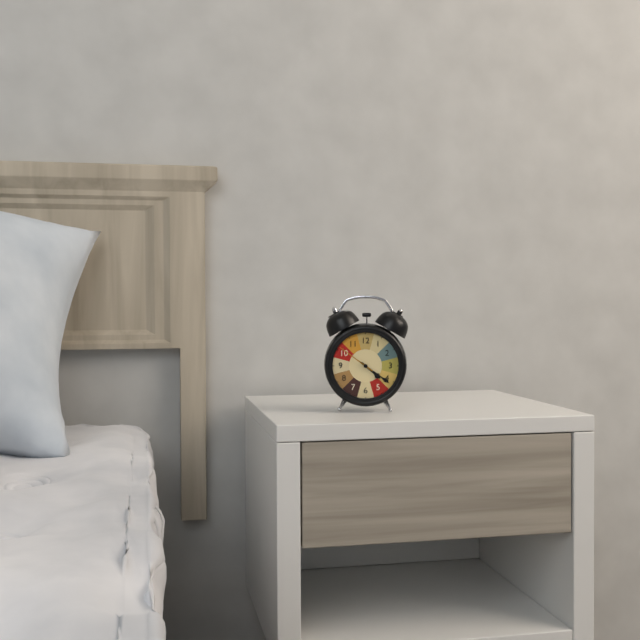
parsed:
4,21
